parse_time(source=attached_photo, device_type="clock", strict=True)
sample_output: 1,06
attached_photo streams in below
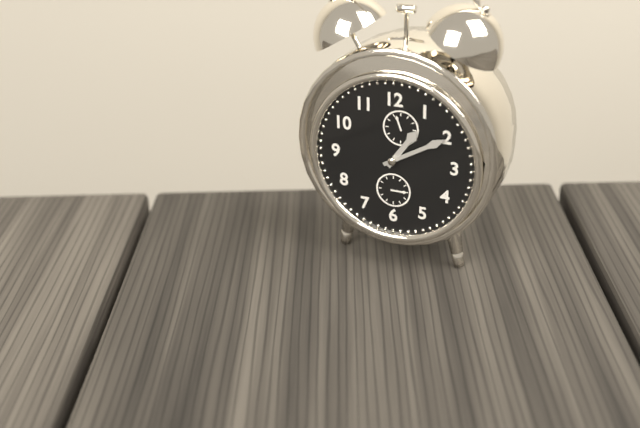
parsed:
1,10
